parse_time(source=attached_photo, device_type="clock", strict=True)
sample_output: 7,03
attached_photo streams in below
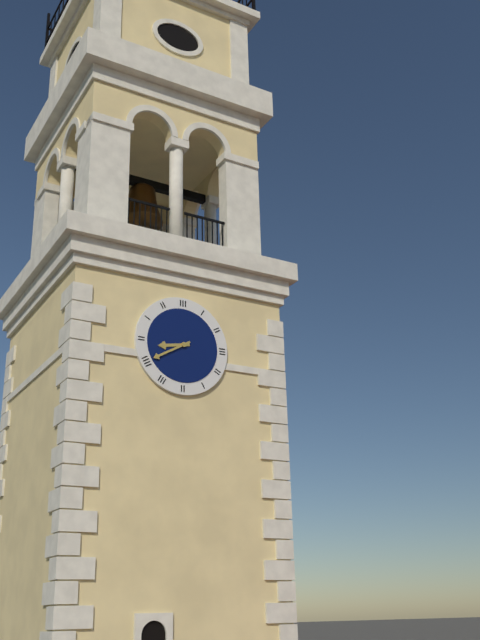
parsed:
8,40
